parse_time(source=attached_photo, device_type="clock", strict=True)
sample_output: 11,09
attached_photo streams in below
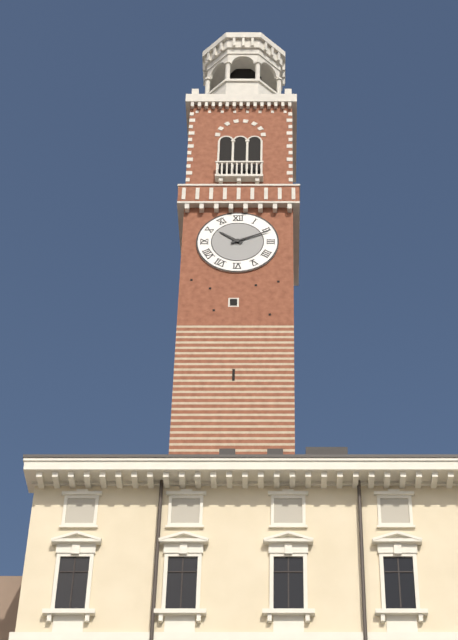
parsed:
10,11
